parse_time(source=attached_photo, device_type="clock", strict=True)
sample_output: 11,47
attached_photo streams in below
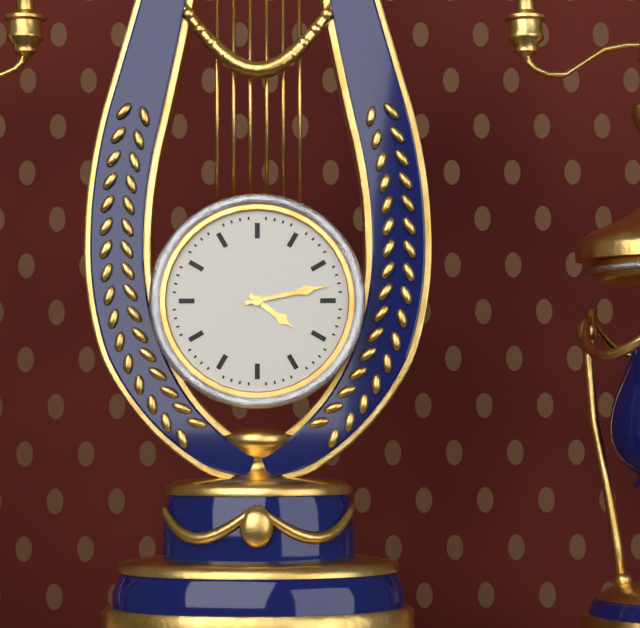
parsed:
4,13
